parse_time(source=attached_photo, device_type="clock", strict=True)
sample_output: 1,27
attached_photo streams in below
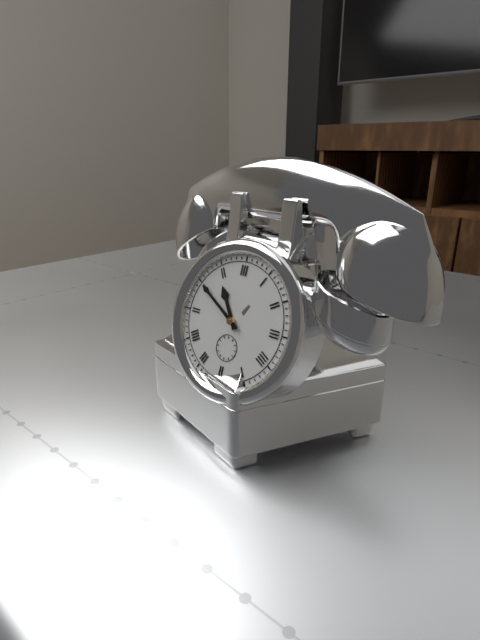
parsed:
10,50
